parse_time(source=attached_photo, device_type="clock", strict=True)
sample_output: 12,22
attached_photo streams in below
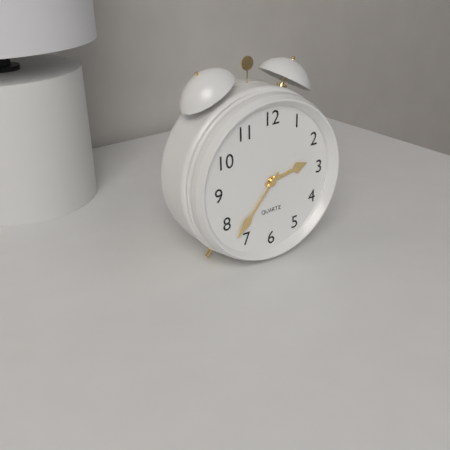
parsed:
2,37
